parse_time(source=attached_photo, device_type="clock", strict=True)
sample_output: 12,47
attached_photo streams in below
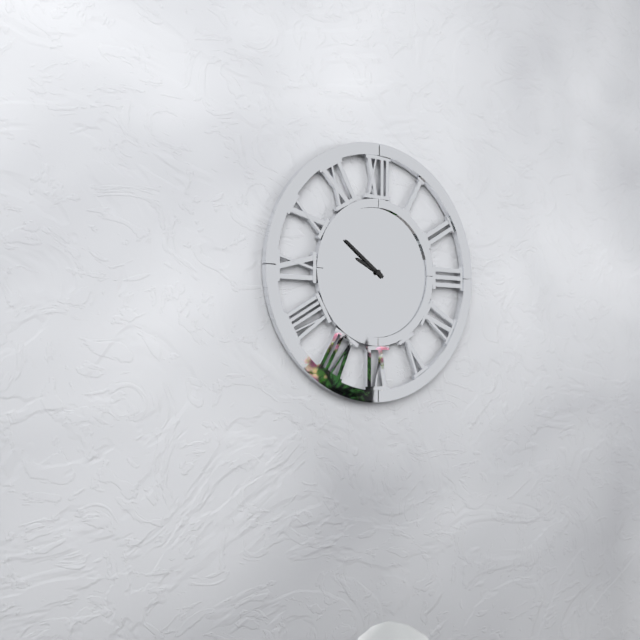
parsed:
9,51
